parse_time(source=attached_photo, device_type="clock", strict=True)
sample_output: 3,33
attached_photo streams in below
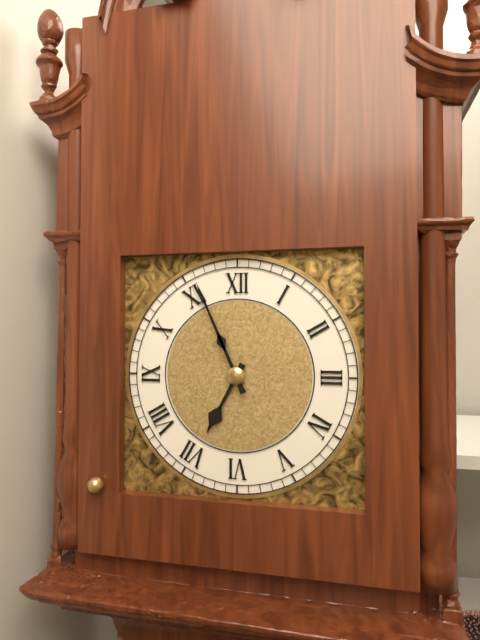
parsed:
6,56
